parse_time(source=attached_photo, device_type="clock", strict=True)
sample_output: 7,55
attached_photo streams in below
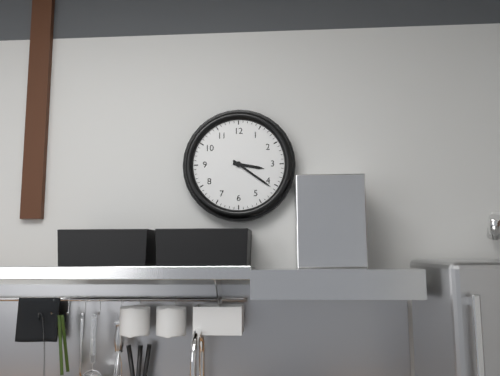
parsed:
3,21
